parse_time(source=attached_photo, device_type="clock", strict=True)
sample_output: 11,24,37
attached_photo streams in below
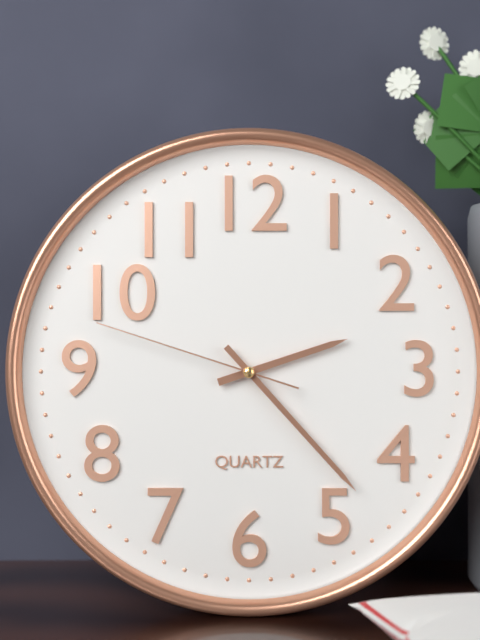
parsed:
2,23,48
